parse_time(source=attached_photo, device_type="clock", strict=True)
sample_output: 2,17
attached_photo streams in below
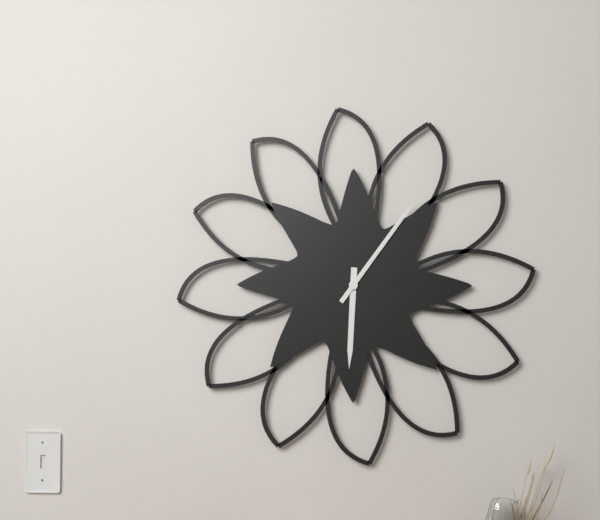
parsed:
6,06
